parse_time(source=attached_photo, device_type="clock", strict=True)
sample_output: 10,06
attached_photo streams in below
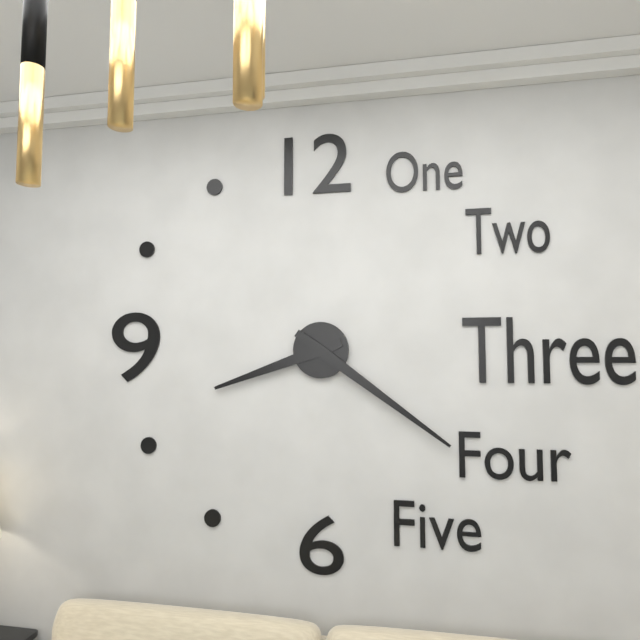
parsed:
8,21
